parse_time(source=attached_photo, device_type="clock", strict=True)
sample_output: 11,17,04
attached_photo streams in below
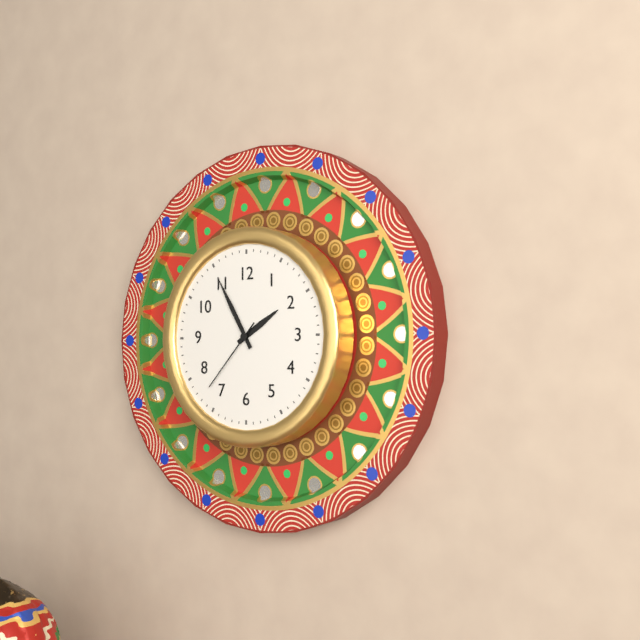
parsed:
1,55,37
